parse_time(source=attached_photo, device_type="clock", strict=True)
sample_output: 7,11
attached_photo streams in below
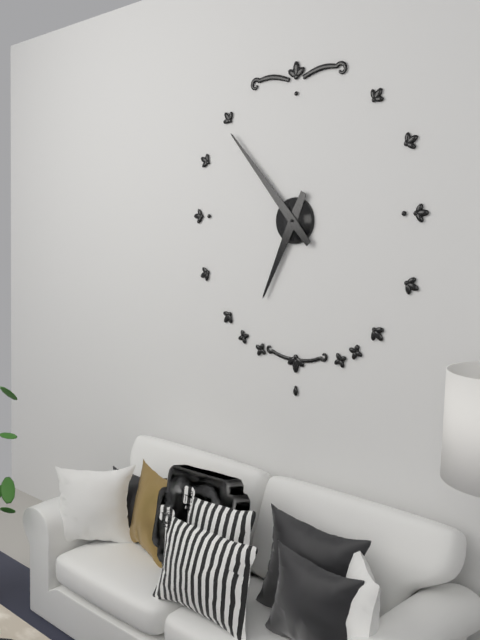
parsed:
6,53
